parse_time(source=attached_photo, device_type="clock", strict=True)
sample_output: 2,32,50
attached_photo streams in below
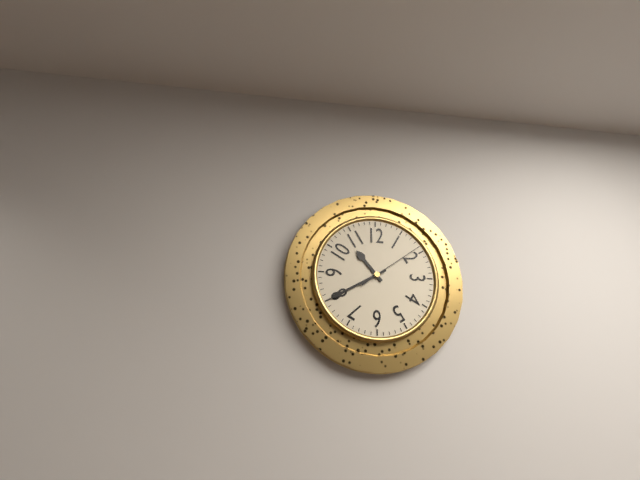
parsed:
10,40,09
